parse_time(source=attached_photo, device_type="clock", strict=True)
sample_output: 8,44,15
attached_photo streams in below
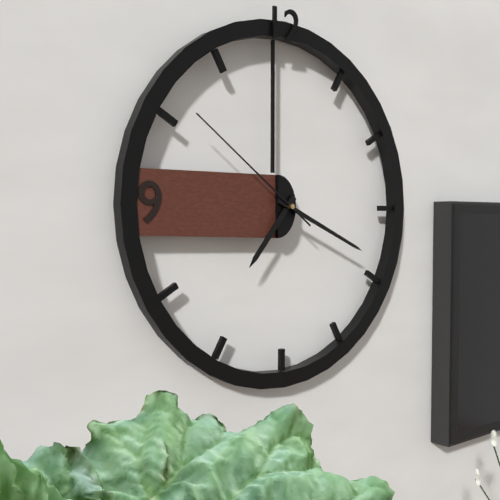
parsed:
7,19,51
